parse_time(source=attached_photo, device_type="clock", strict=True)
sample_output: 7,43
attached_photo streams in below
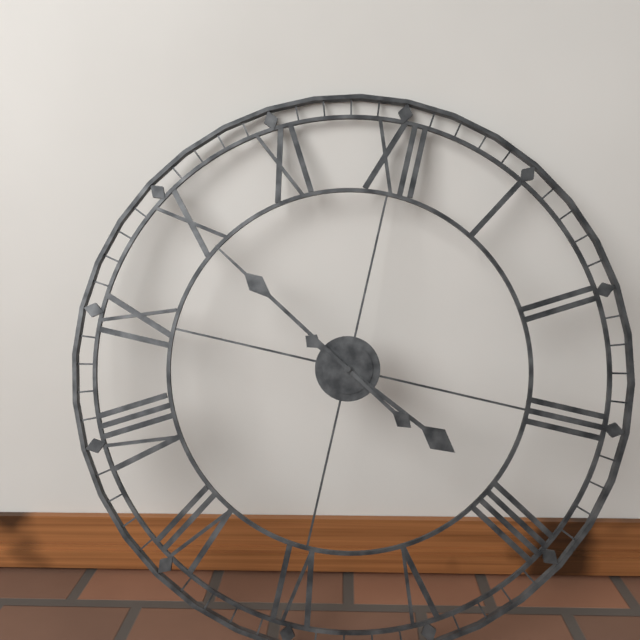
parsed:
3,50
